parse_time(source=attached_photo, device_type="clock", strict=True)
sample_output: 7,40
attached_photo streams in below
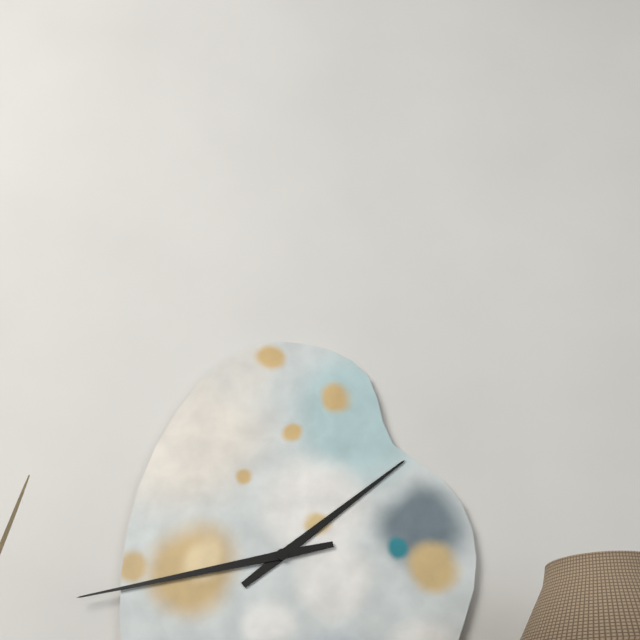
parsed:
1,43
